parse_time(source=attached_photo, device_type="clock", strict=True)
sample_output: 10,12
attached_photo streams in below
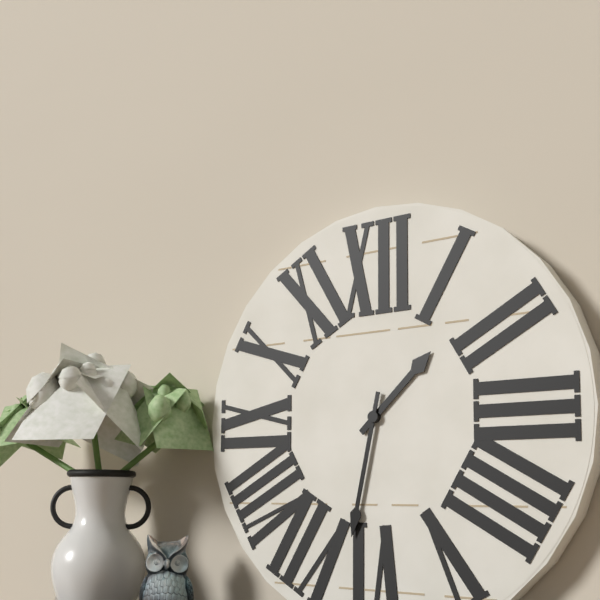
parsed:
1,32
